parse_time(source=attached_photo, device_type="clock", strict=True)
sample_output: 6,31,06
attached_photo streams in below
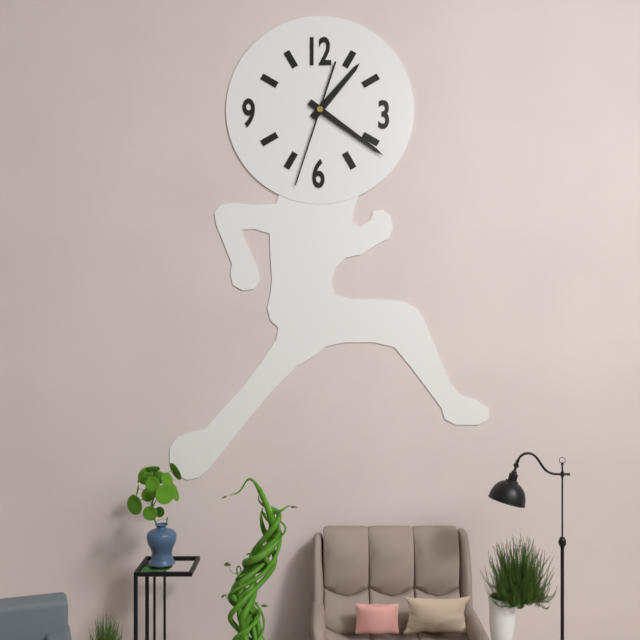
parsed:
1,21,33
